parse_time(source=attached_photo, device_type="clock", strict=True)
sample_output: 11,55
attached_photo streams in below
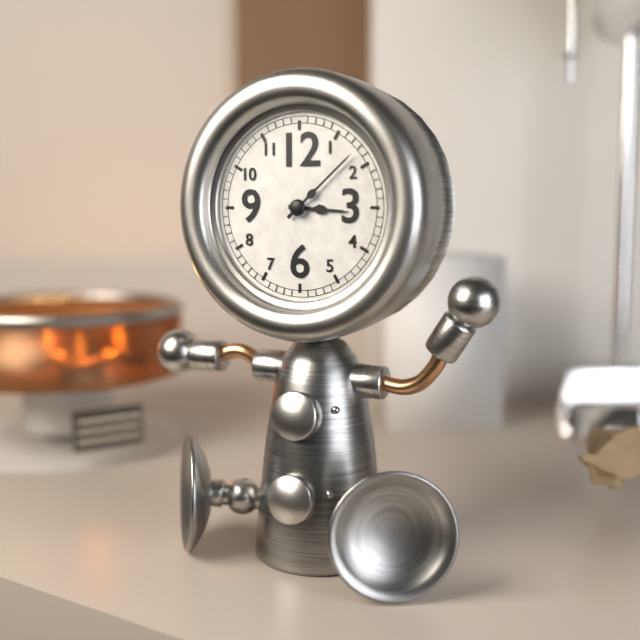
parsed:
3,08
